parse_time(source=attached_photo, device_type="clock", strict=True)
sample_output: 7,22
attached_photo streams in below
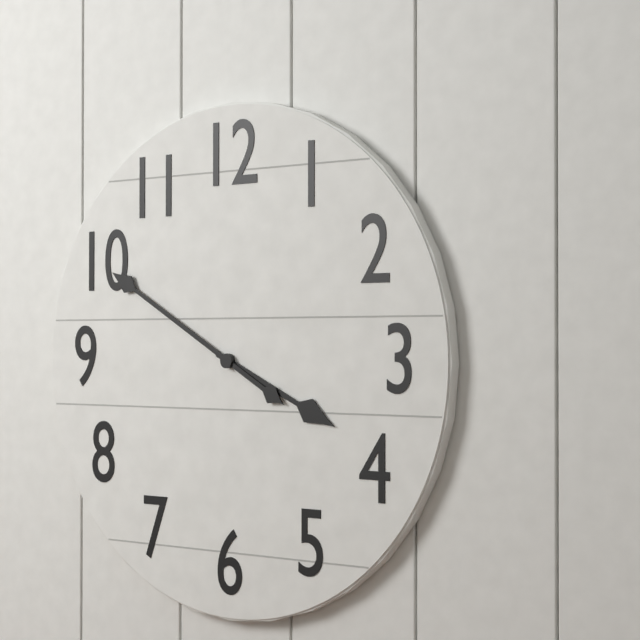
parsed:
3,50
